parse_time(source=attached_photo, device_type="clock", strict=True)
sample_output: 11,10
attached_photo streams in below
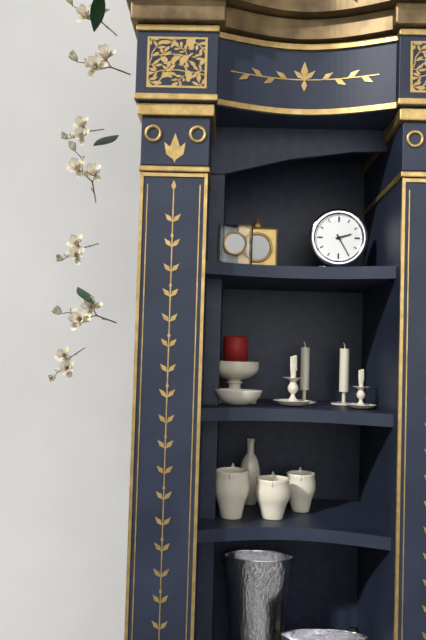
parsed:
2,25
